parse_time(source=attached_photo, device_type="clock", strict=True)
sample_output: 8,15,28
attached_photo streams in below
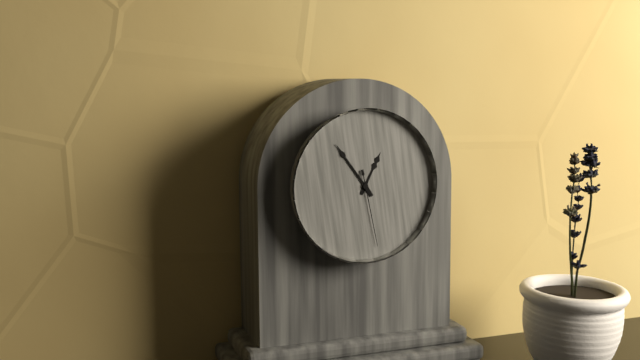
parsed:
12,54,28
